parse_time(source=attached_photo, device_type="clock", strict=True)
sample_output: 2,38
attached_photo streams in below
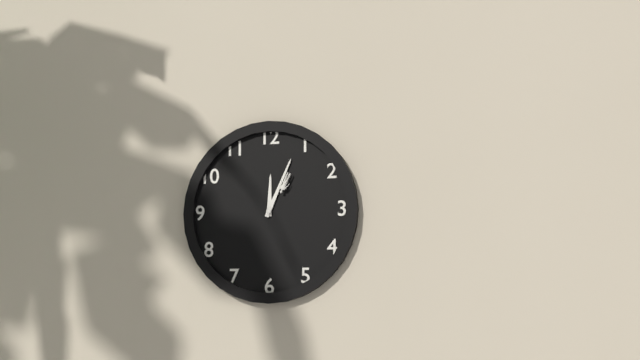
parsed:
12,04
